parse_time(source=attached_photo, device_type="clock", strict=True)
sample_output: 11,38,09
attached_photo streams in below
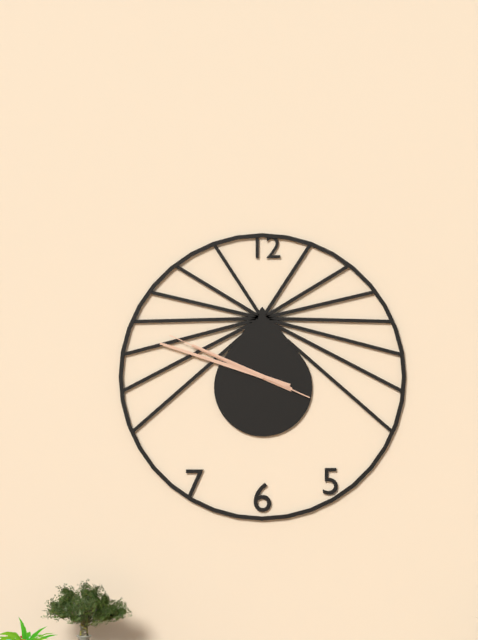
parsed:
9,48,49
